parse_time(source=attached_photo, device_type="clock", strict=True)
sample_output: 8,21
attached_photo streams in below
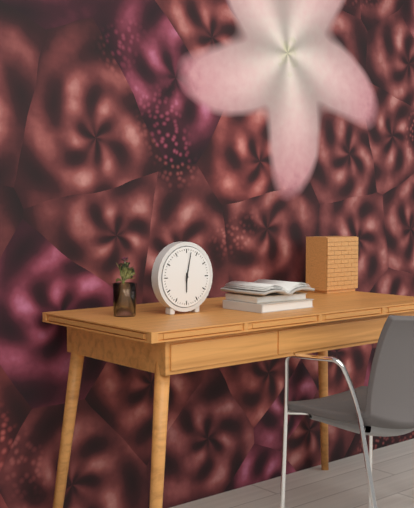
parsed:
6,02
